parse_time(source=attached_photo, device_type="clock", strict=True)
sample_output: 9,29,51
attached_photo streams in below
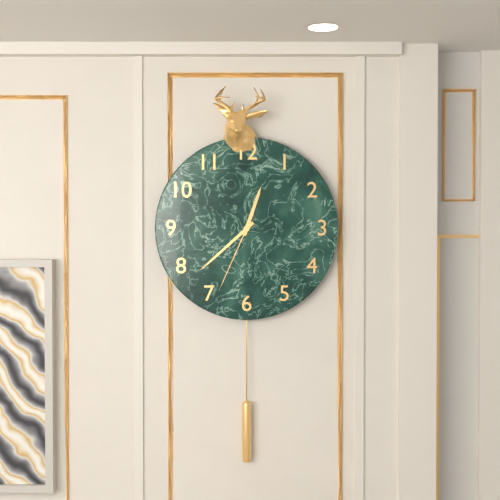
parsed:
12,38,34
